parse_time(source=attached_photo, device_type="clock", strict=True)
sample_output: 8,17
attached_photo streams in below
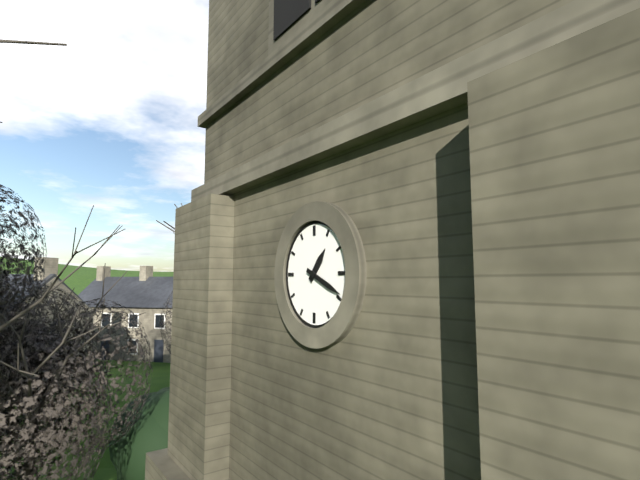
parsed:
1,19
